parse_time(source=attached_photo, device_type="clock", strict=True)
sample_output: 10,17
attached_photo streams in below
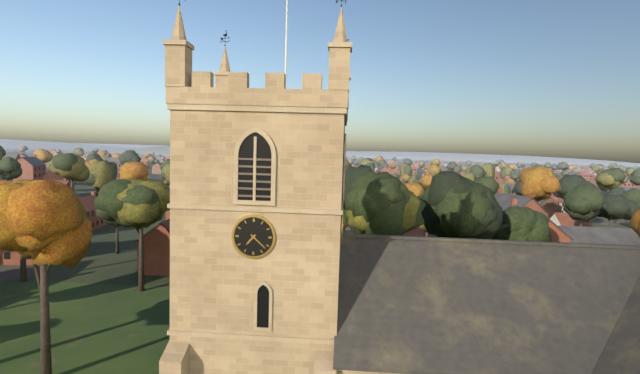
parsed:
7,22
